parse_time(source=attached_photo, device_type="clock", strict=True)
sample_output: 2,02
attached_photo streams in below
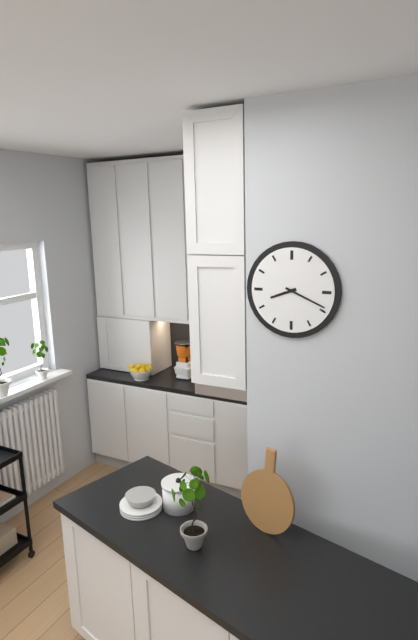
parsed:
8,19
